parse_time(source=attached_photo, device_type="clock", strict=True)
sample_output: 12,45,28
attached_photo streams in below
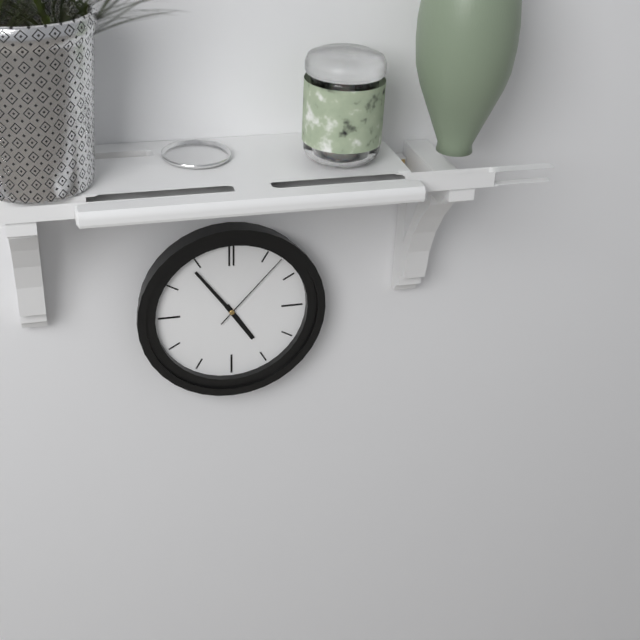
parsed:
4,54,07
